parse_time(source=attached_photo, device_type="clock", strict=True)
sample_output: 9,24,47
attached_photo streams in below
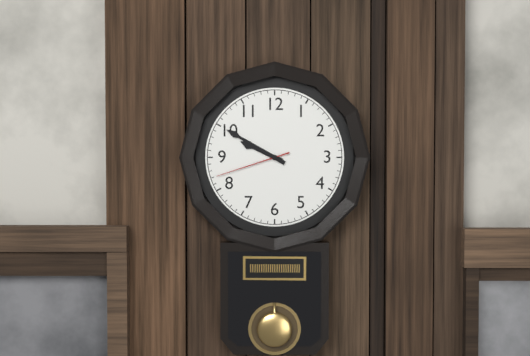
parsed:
9,50,42
